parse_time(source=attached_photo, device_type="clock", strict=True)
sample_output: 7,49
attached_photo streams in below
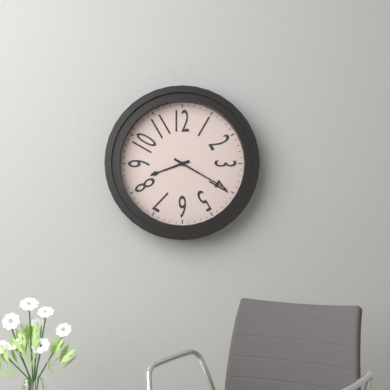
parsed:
8,20
